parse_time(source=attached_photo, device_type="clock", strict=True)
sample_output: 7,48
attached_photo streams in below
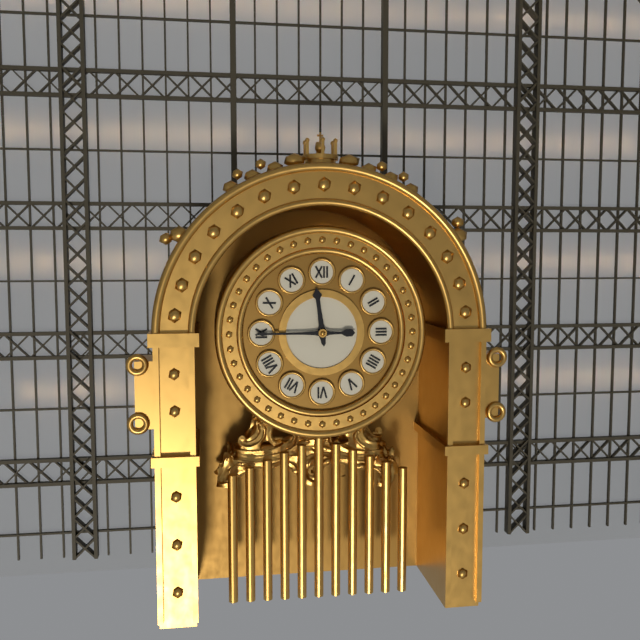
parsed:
11,45
